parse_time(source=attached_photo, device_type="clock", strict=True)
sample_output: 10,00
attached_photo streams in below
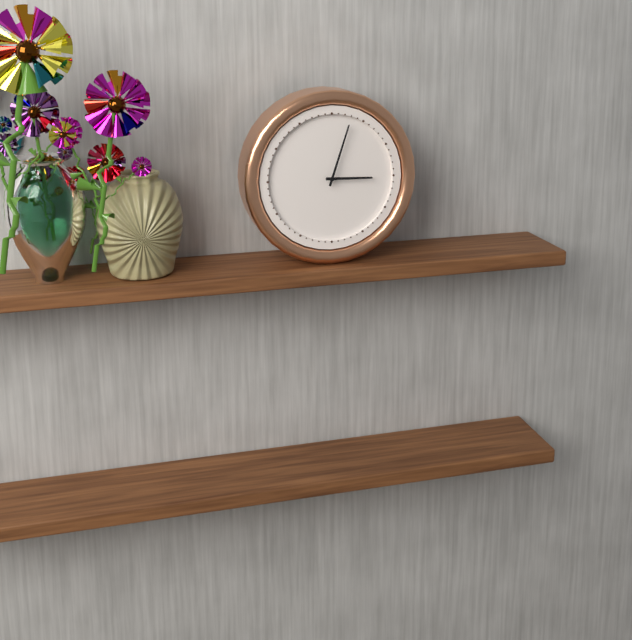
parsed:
3,03
